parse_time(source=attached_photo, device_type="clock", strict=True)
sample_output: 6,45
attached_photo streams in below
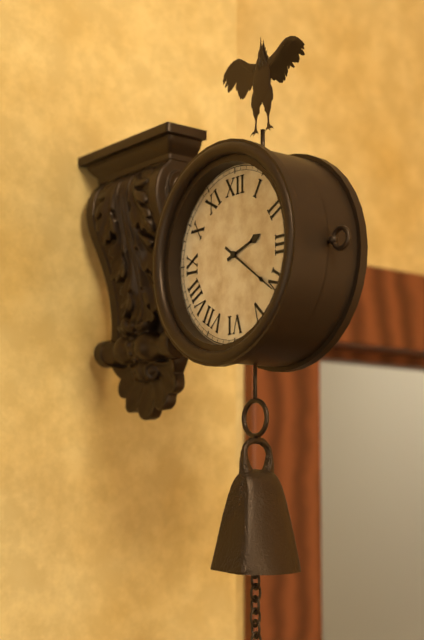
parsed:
2,21
